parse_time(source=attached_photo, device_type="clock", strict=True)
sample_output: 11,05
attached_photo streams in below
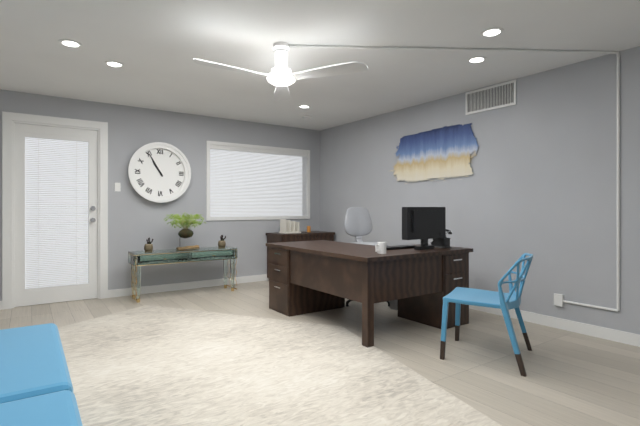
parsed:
10,55
